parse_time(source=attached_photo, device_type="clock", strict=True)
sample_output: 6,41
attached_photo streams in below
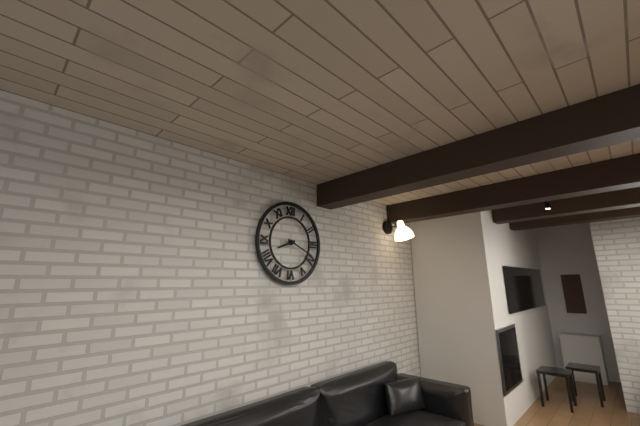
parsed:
8,19
